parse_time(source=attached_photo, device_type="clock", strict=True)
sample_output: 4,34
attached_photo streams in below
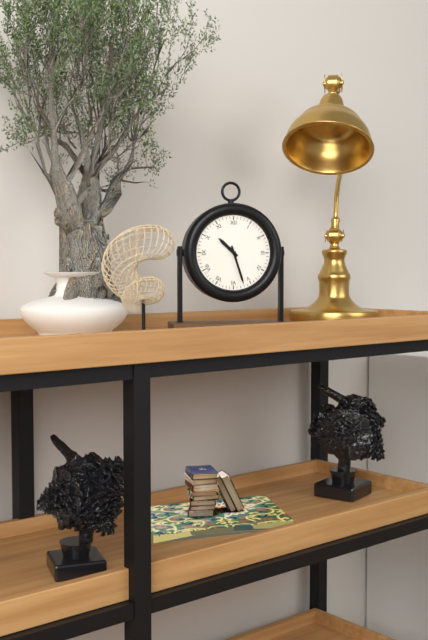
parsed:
10,27
